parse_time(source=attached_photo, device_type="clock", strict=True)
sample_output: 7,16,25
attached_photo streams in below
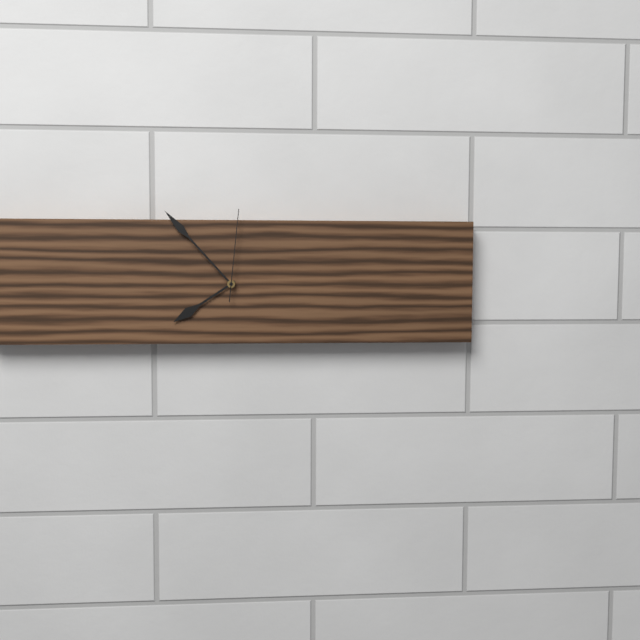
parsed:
7,53,01
